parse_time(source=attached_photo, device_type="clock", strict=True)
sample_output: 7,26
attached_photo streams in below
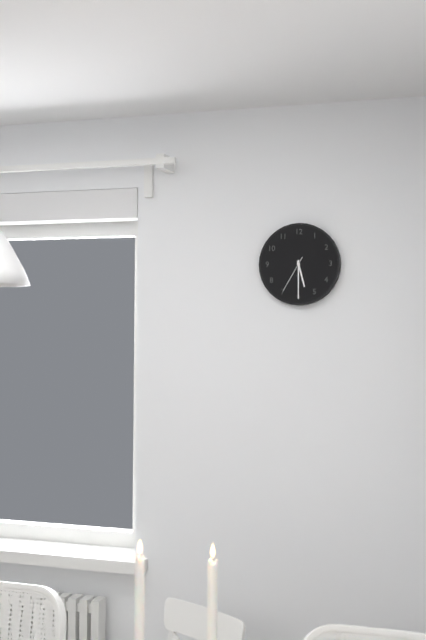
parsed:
5,30
